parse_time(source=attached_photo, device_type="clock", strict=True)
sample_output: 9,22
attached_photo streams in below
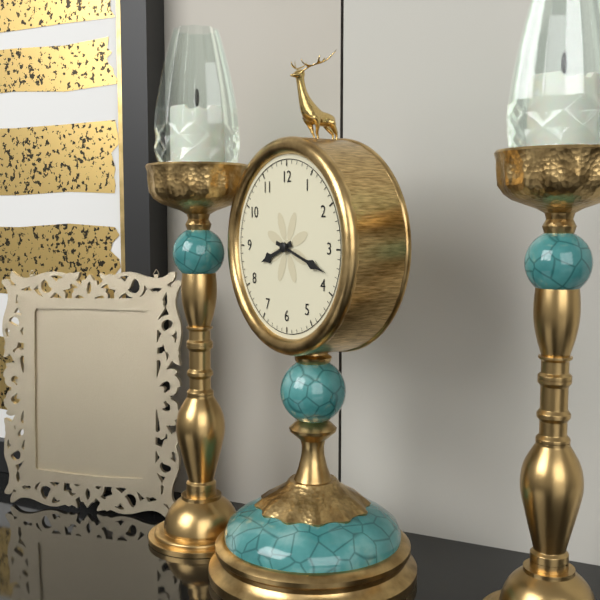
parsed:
8,18
